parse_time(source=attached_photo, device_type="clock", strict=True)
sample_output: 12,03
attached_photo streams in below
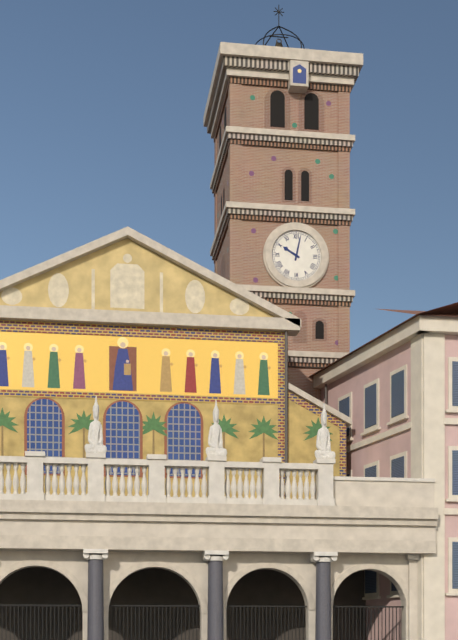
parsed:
10,02
